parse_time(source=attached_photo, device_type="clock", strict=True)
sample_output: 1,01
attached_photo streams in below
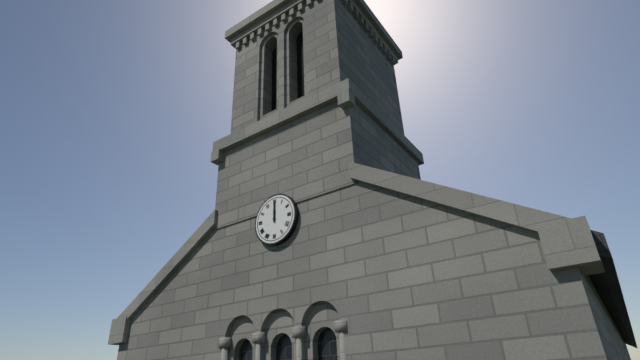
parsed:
12,00
